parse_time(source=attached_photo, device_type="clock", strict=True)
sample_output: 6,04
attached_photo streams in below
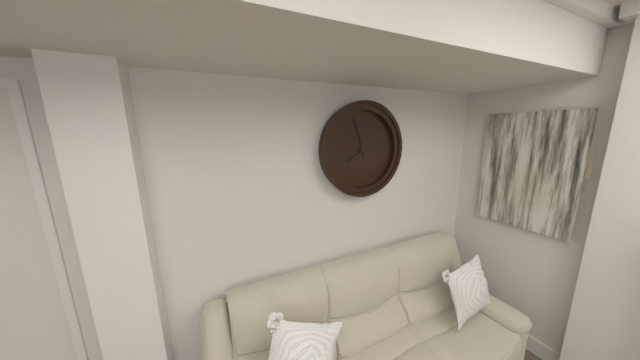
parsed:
7,57
